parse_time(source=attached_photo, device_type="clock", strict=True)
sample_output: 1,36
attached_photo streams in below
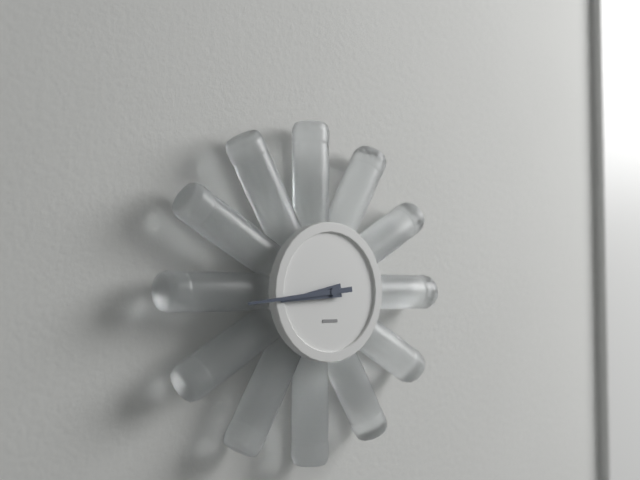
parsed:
8,44
